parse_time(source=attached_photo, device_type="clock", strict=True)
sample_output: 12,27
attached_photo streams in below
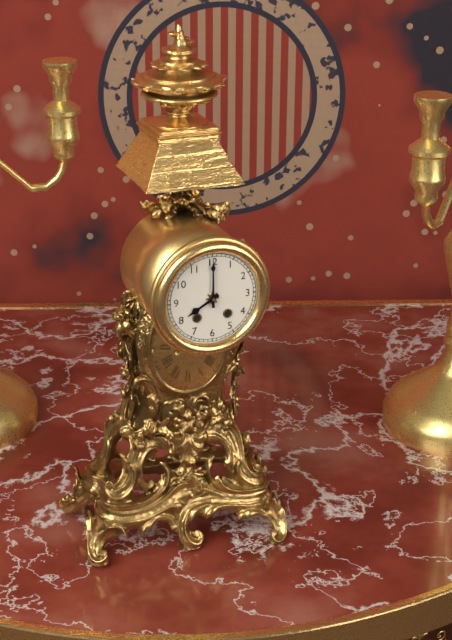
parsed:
8,00
